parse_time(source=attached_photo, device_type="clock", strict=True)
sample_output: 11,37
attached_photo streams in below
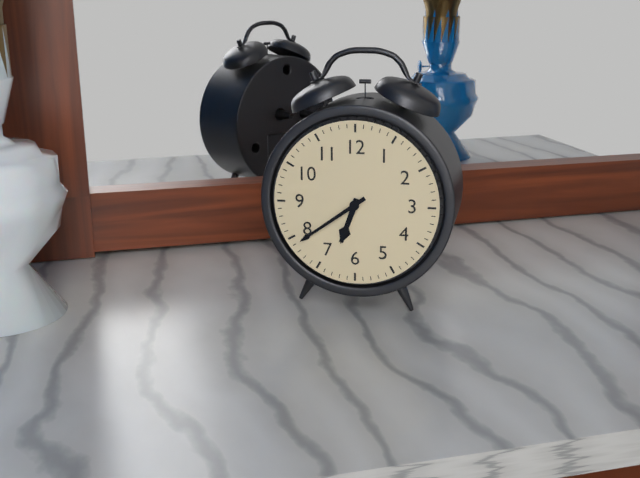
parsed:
6,39
